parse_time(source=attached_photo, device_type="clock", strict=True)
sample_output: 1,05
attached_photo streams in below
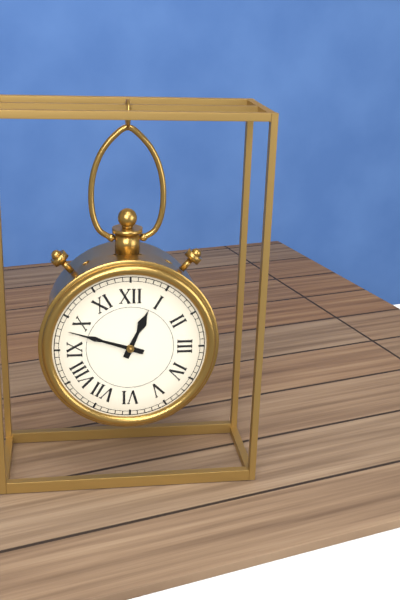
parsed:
12,48
